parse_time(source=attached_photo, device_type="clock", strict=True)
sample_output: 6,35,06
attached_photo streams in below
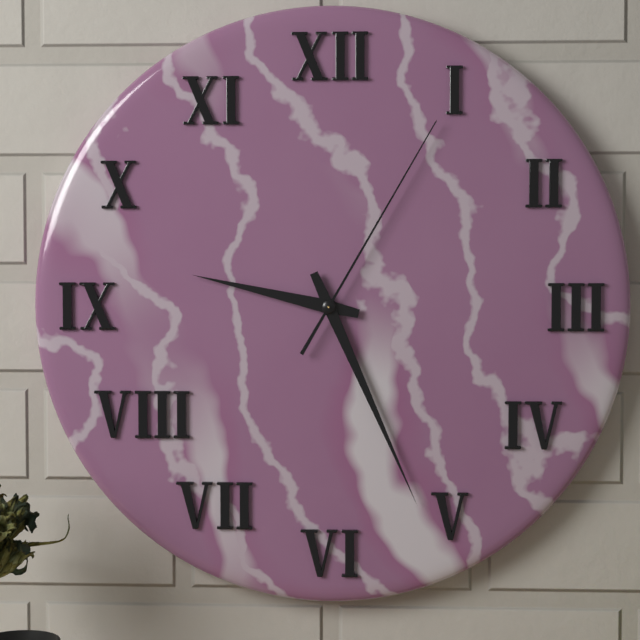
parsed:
9,26,05
